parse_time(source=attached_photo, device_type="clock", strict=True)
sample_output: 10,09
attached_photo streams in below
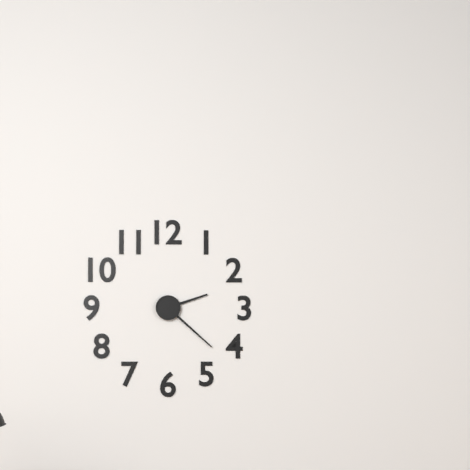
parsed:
2,22
